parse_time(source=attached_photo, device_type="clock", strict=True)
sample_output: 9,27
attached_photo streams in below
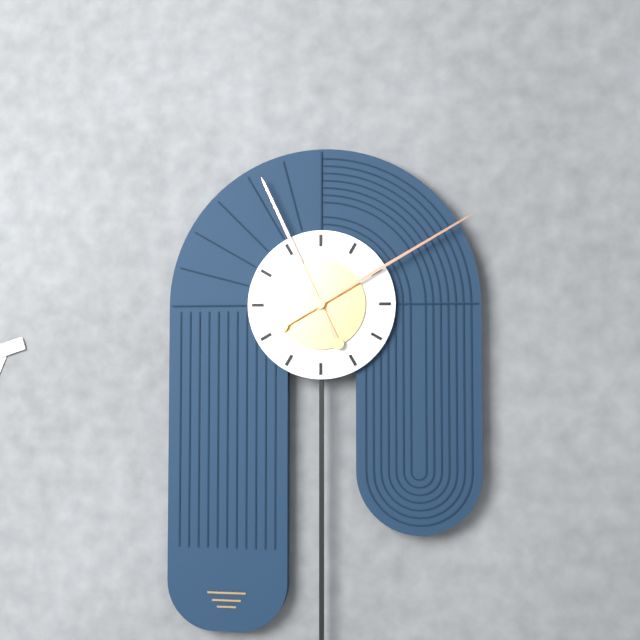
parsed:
11,10
